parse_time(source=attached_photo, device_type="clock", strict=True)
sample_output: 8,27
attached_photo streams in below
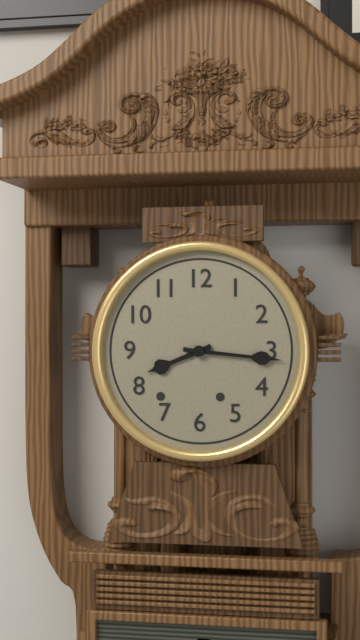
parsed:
8,16
